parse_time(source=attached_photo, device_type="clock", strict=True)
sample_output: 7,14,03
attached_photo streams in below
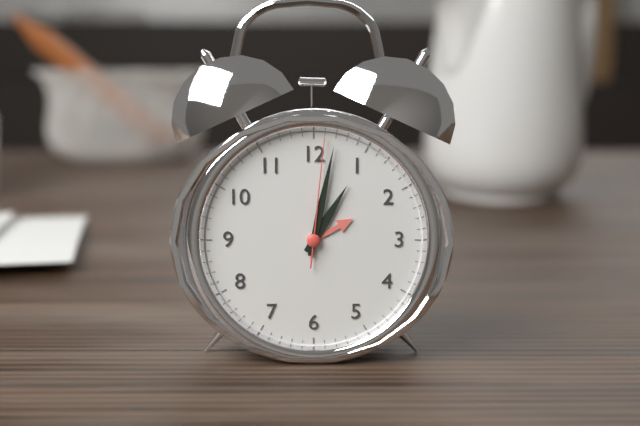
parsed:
1,02,01
